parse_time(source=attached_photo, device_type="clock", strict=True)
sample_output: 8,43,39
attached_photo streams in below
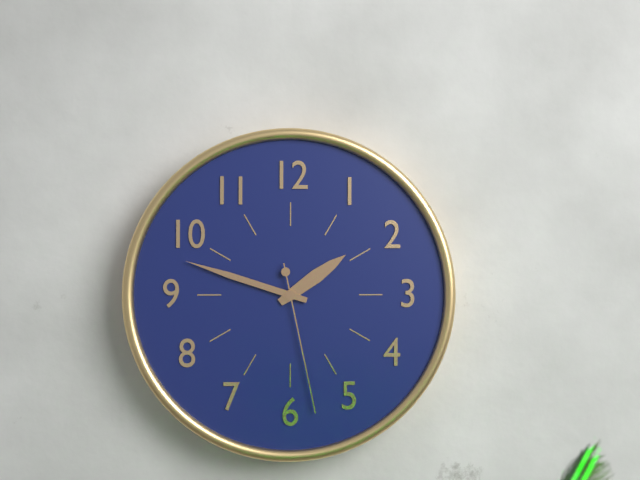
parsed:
1,48,28
